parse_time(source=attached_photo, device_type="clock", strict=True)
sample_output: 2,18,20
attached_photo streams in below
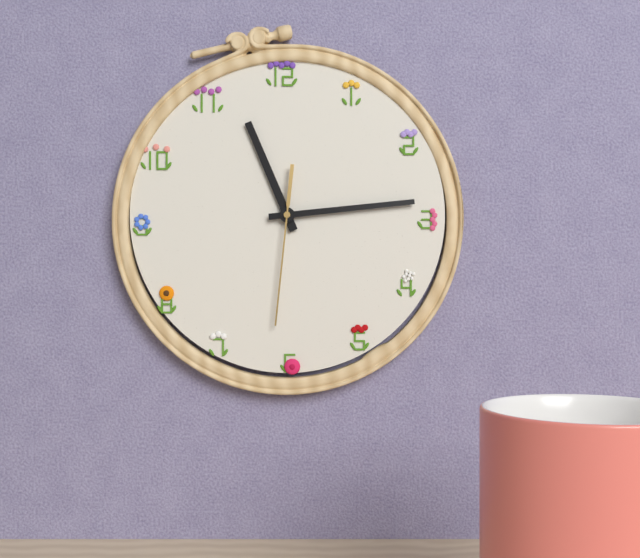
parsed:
11,14,31
